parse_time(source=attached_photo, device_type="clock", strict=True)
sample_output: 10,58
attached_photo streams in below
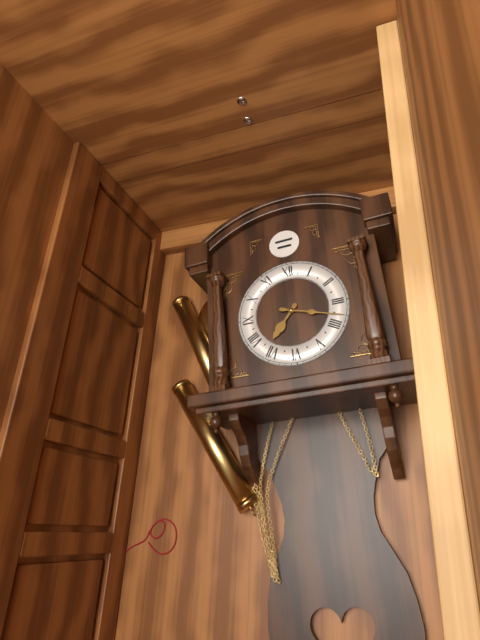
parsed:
7,18
